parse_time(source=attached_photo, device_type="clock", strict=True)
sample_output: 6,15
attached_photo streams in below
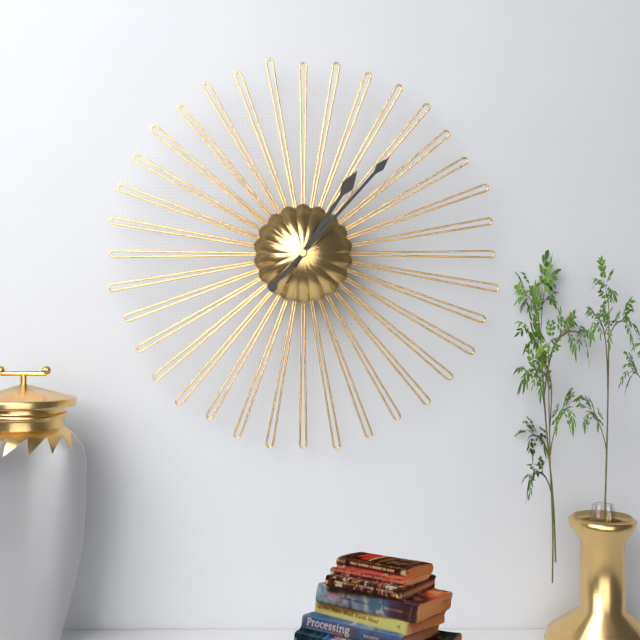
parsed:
1,07
